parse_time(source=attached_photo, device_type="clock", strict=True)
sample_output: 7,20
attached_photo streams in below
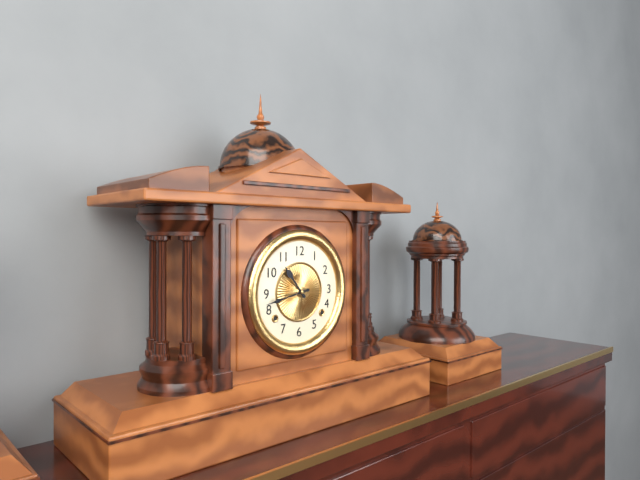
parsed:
10,43
